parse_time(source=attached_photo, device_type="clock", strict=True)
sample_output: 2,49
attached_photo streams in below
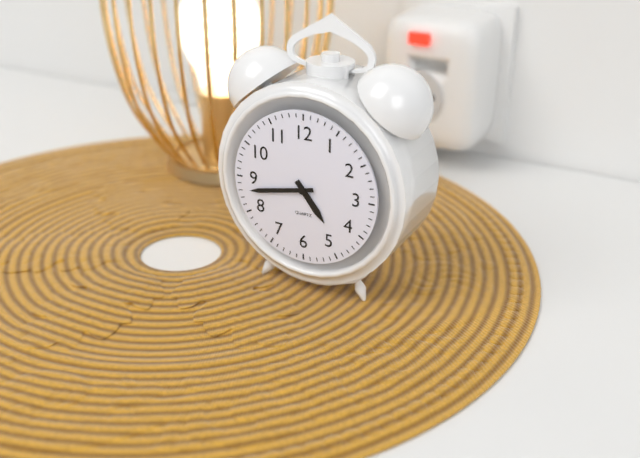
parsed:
4,43
